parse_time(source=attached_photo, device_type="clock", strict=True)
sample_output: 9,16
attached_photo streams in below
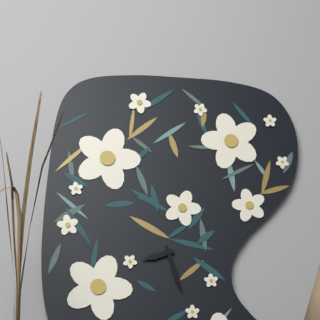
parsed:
8,27
